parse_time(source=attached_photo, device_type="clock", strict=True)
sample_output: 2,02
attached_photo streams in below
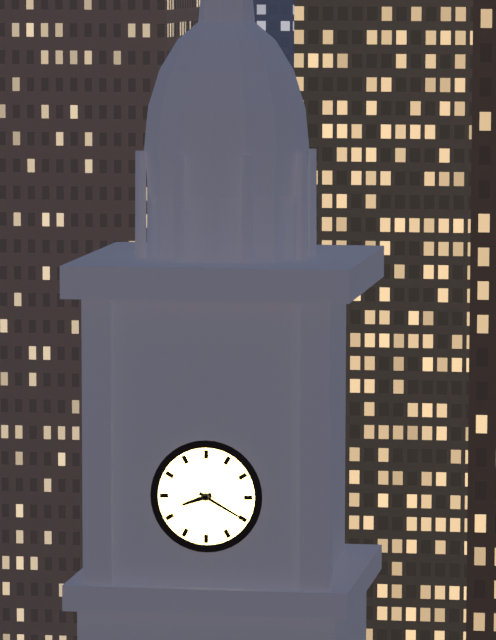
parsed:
8,20
